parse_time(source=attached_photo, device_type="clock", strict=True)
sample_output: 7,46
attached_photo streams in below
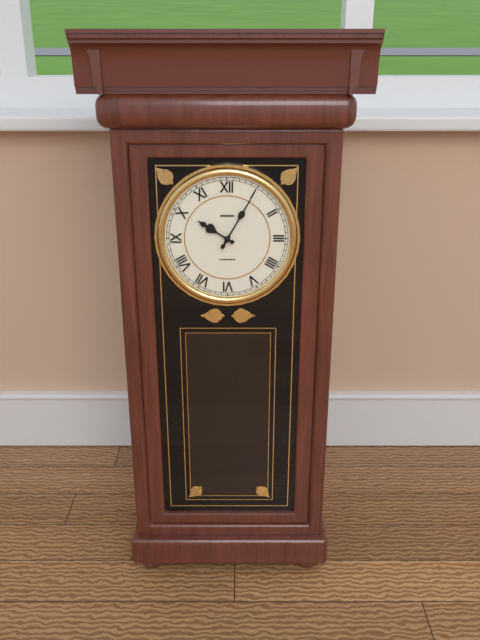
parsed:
10,05
